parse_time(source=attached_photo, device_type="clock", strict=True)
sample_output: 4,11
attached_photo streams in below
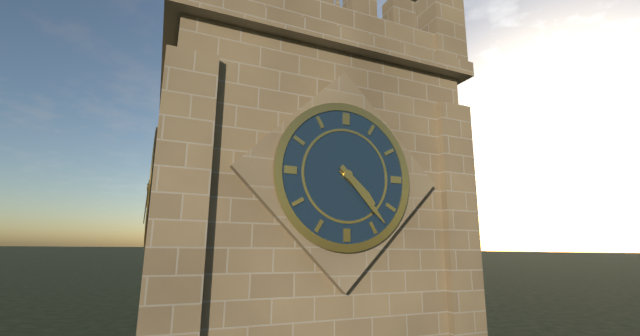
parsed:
4,23
